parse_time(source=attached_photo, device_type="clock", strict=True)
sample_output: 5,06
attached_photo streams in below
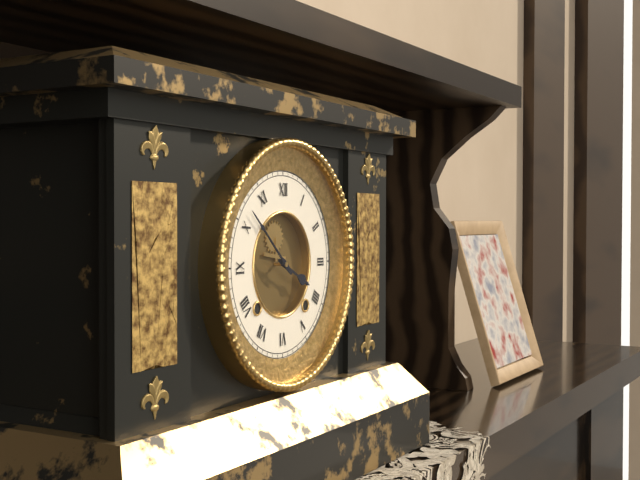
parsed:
3,52
